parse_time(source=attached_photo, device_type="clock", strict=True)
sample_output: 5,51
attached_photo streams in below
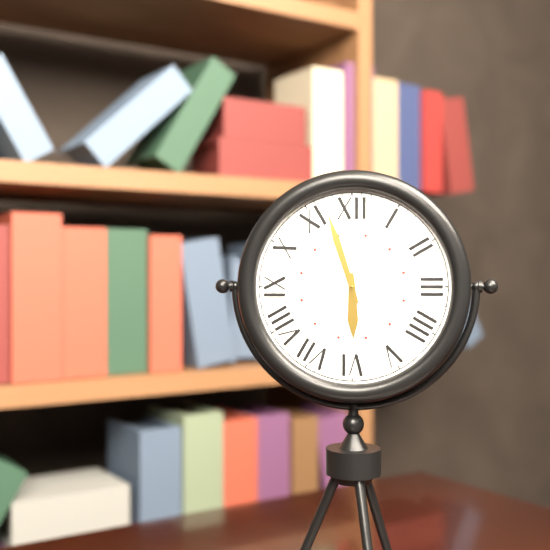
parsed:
5,57
